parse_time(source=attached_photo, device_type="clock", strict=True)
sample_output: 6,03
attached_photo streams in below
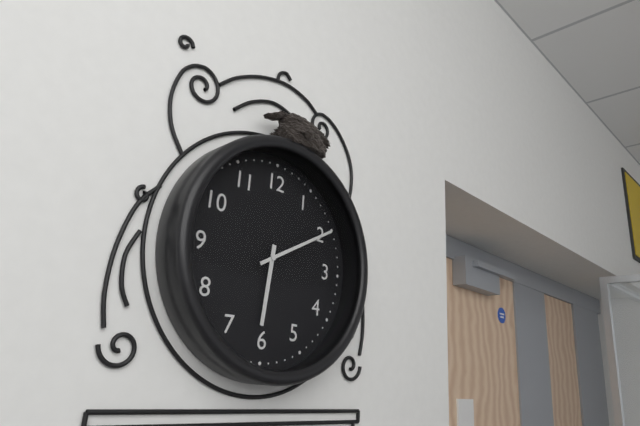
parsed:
6,10
